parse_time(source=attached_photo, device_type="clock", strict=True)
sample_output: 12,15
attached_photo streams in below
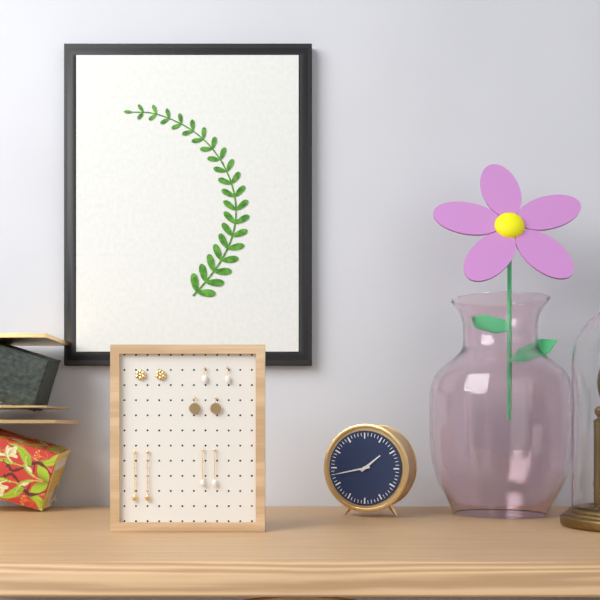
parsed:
1,43
